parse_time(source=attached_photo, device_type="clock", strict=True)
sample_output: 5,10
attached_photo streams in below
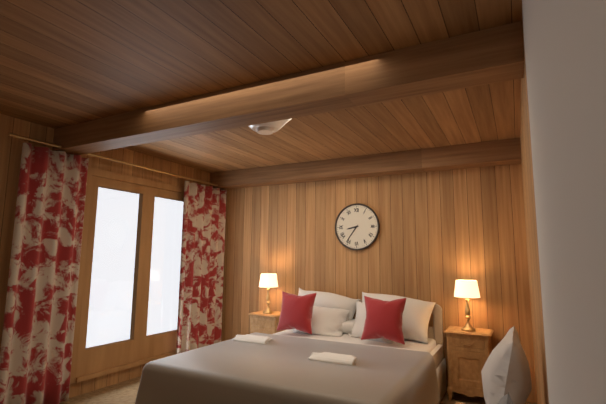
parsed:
8,36
